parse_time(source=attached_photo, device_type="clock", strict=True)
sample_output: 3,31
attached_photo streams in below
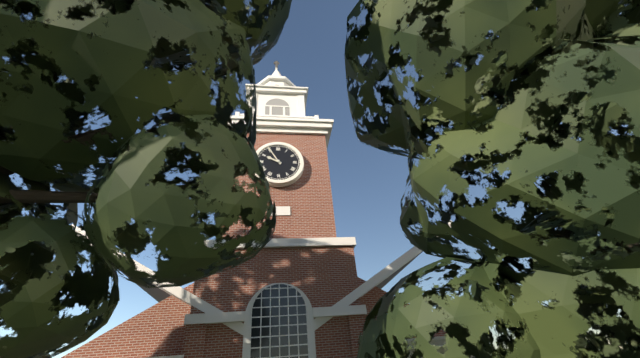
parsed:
9,55
